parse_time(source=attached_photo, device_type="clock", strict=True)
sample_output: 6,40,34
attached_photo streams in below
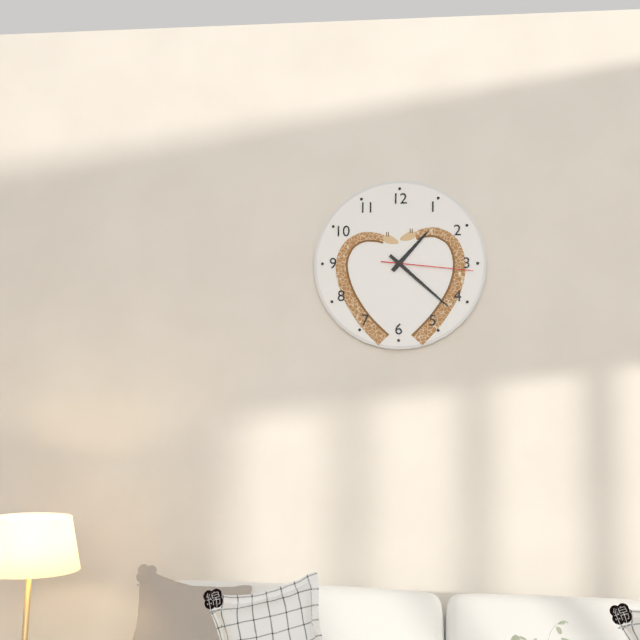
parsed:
1,22,16
